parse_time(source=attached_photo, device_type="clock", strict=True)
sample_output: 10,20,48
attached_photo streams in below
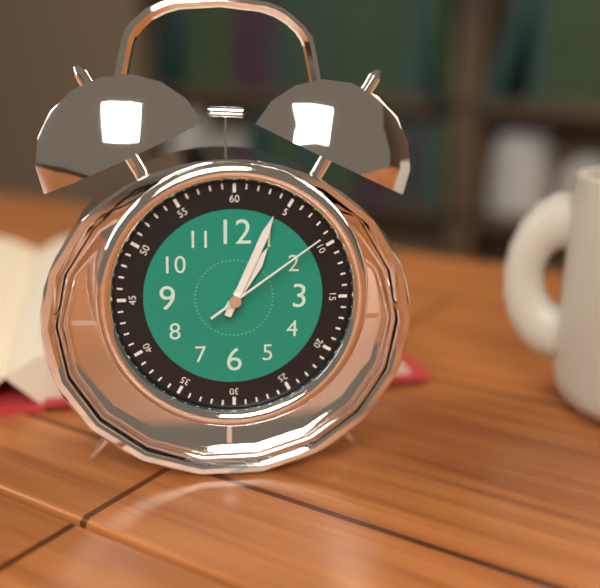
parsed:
1,04,09
